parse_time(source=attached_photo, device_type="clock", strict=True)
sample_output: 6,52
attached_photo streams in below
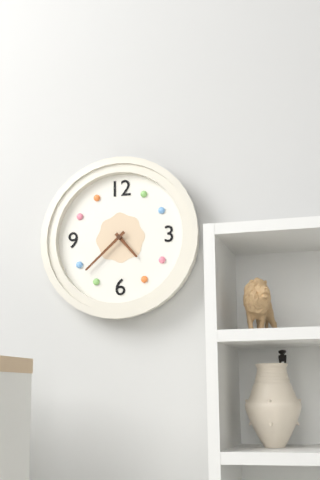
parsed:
4,38
